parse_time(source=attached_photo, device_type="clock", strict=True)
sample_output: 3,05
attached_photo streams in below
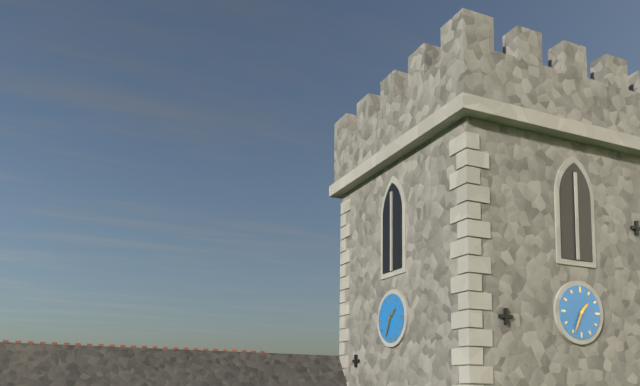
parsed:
1,34
